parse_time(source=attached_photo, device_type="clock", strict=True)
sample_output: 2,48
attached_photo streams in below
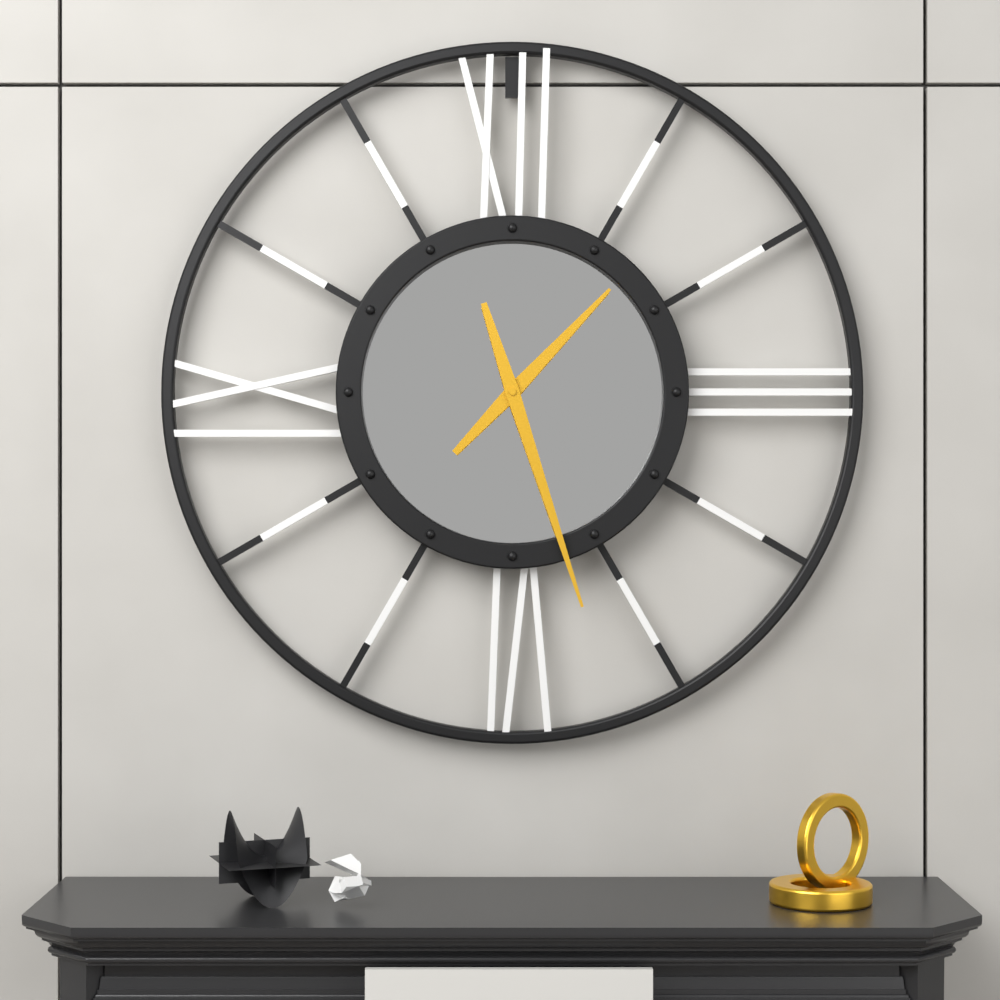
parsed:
1,27
